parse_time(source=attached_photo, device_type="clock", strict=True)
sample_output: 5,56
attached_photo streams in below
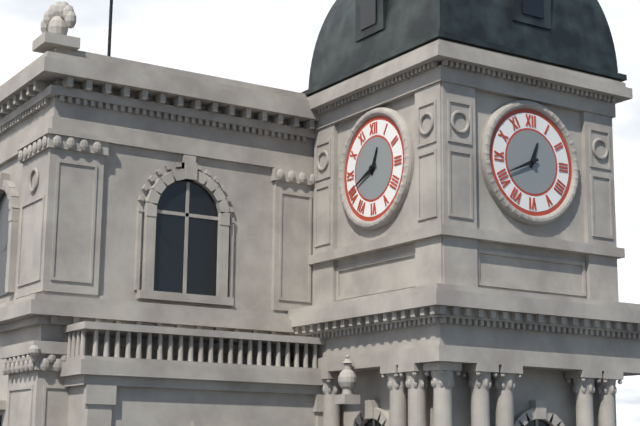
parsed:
12,41
